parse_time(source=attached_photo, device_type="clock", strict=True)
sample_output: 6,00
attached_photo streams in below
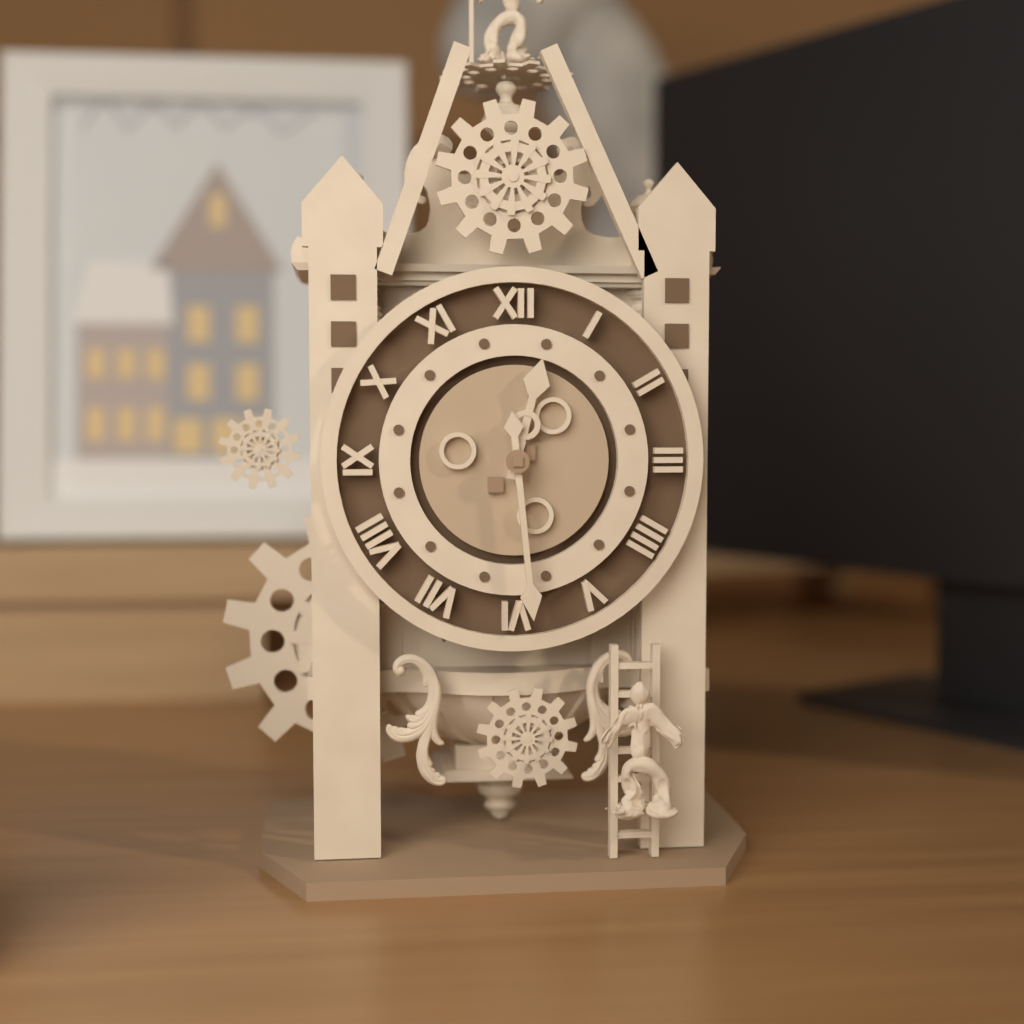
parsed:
12,29
